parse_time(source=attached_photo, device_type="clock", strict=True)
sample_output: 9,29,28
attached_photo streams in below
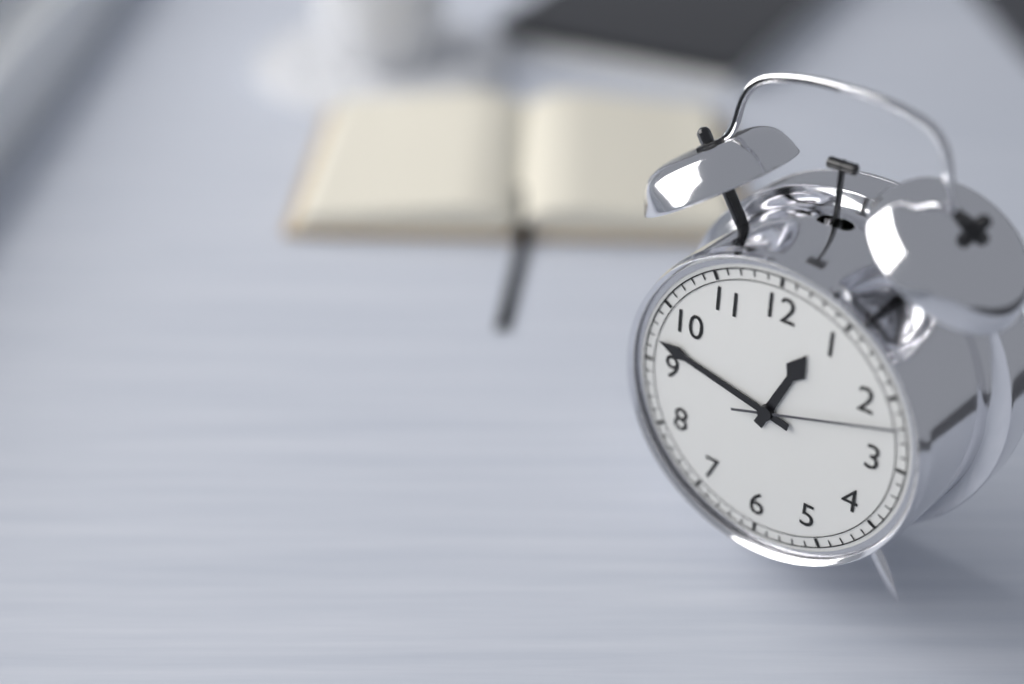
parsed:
12,47,12
